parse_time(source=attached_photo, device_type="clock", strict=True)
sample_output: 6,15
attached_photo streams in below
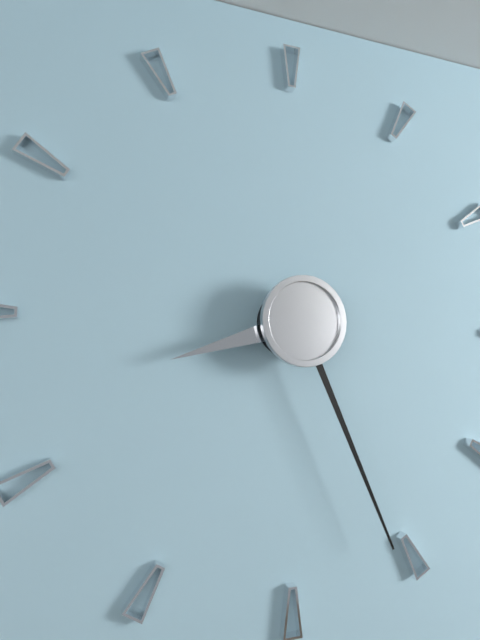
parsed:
8,26
